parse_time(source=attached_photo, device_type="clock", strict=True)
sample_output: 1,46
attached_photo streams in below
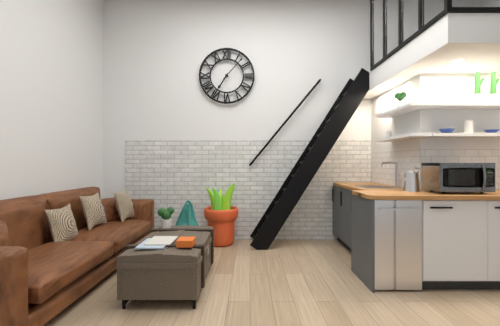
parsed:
7,07
